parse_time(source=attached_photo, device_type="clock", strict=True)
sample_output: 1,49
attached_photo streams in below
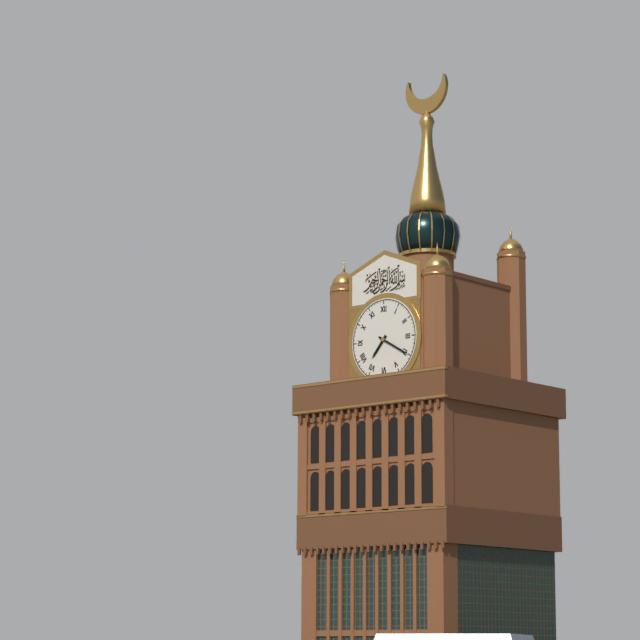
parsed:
7,20
